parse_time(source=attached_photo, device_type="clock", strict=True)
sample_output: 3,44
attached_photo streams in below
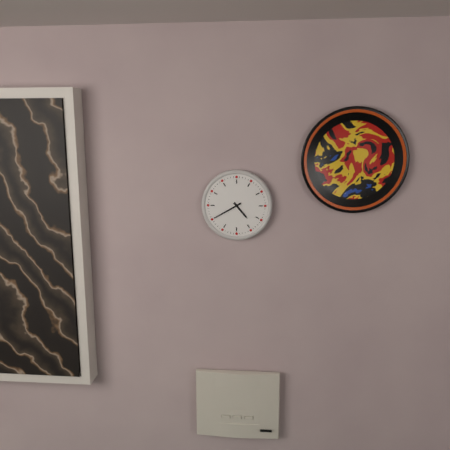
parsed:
4,40
